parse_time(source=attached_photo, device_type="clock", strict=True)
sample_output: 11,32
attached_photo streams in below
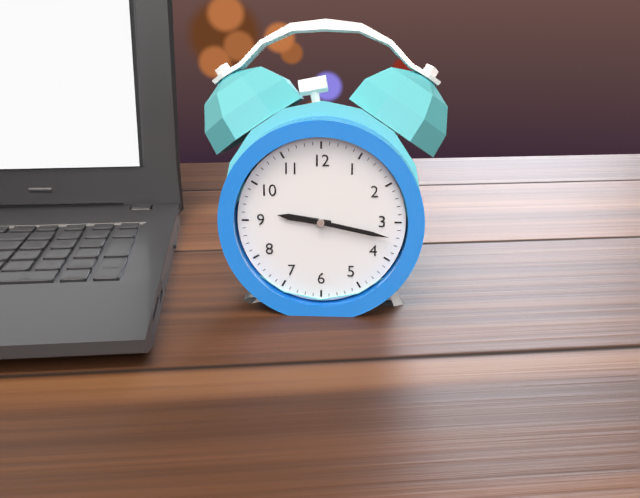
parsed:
9,17
